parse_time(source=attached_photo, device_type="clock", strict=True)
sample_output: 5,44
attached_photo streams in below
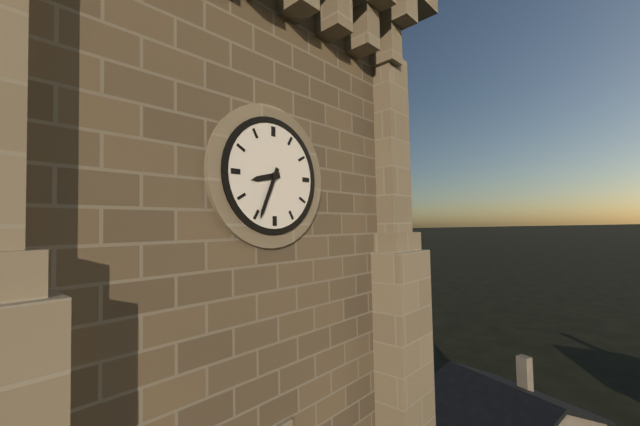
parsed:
8,34
